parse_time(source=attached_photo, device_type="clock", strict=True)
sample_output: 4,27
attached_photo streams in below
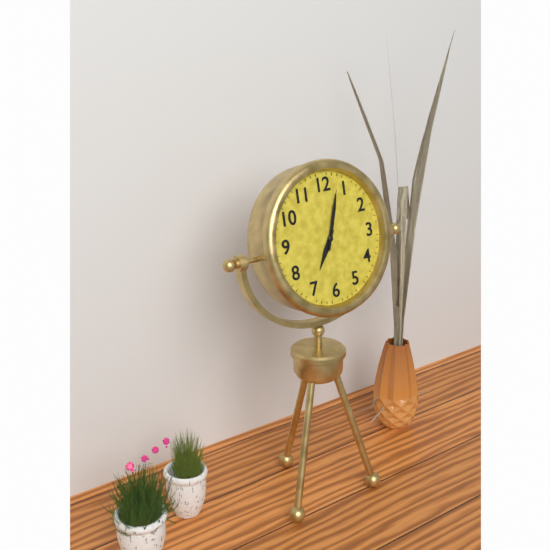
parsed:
7,03
